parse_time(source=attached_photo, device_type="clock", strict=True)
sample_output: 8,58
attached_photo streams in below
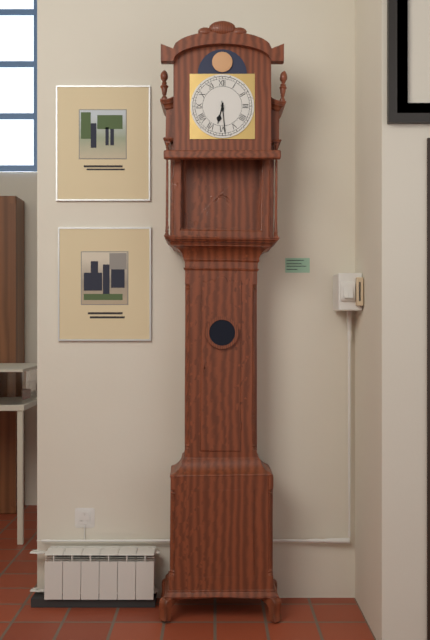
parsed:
6,29
